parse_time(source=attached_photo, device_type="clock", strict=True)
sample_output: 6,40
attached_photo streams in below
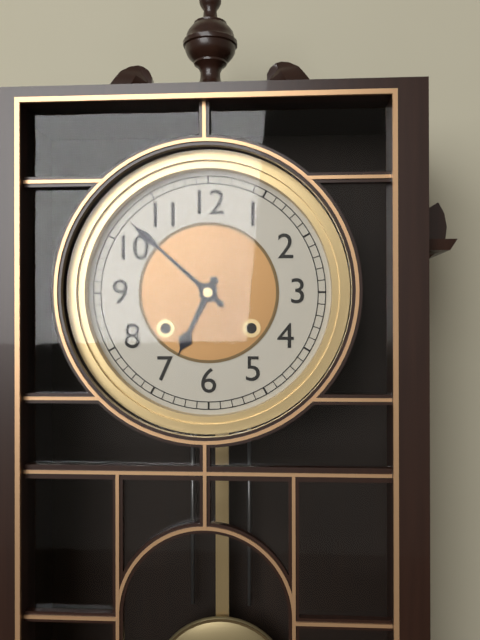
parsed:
6,52
